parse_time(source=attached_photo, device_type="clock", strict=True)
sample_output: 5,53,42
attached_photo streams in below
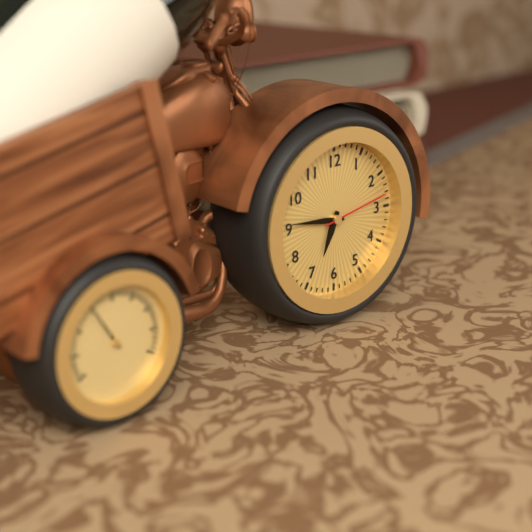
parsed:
6,46,13
